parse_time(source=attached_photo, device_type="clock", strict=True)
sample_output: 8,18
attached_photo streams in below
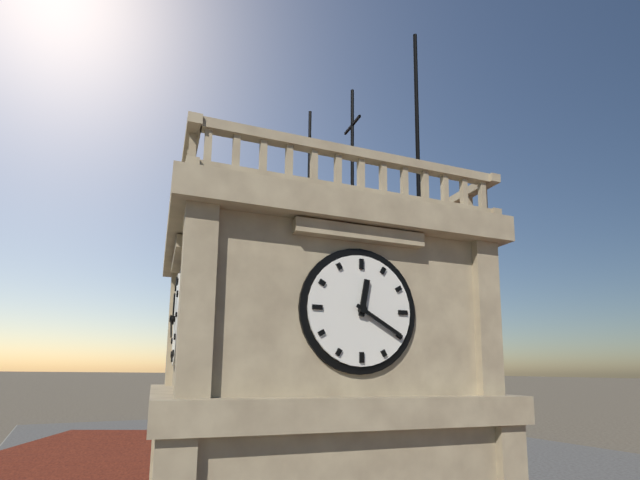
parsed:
12,20
